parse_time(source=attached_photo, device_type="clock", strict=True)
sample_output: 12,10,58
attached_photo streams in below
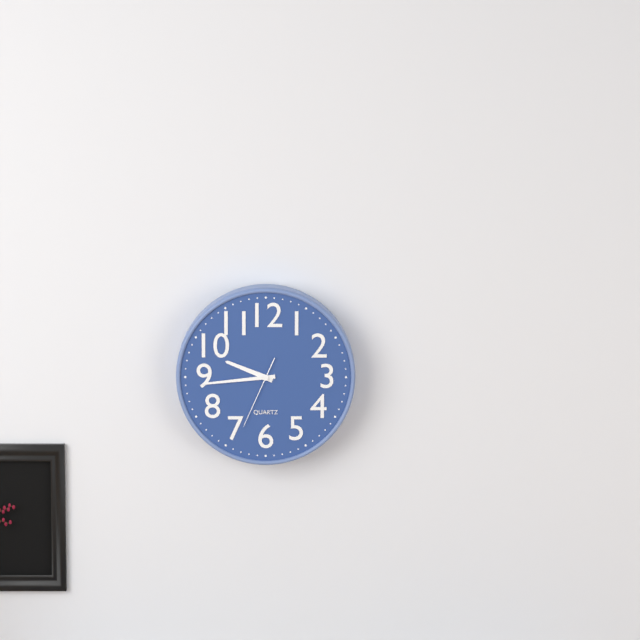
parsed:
9,44,34
